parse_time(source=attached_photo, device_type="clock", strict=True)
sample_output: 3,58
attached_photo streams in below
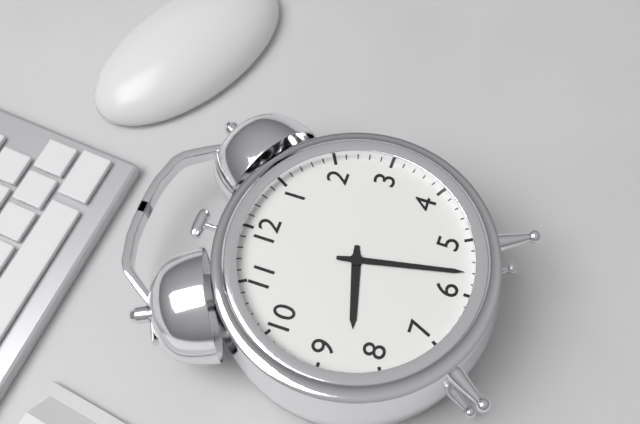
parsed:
8,28
